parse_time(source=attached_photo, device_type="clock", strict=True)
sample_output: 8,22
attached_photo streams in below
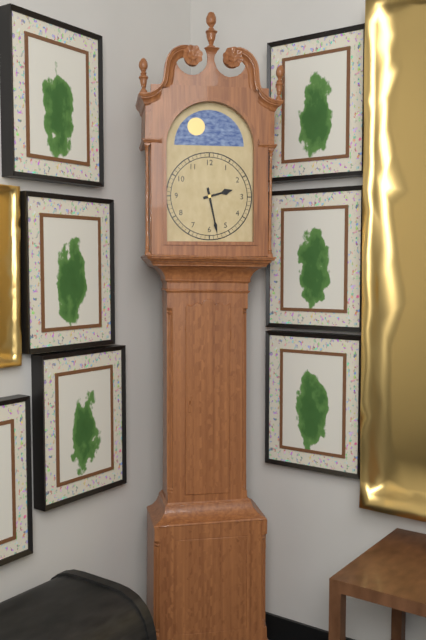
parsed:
2,28
